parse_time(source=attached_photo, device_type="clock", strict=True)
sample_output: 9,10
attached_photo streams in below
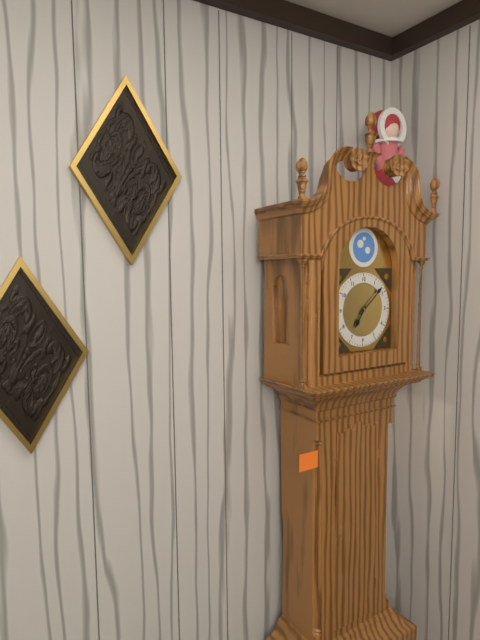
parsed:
7,08
